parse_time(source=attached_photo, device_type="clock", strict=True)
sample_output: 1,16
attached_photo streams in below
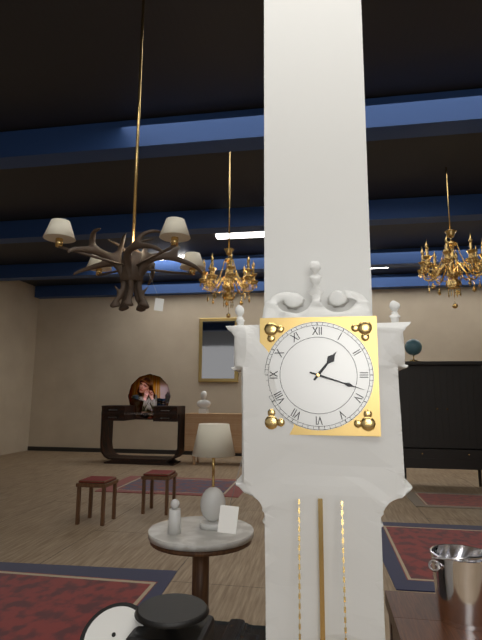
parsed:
1,18
